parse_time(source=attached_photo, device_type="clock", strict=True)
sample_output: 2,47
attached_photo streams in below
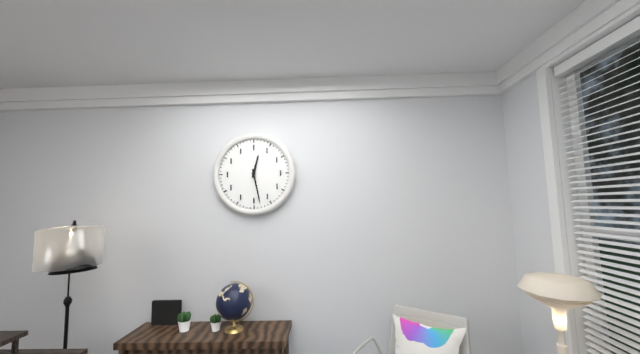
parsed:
12,28
